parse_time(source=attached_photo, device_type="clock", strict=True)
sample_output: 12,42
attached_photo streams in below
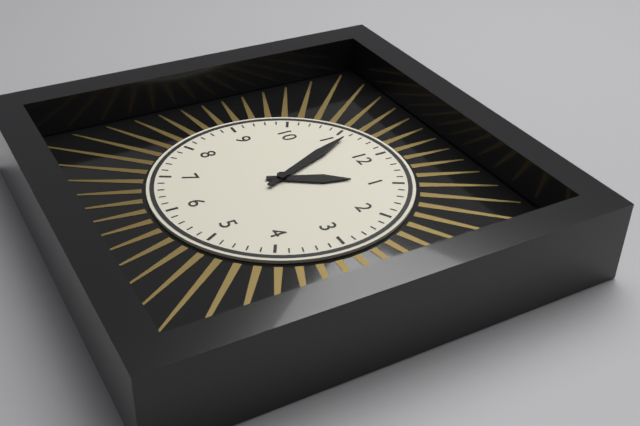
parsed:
12,56
